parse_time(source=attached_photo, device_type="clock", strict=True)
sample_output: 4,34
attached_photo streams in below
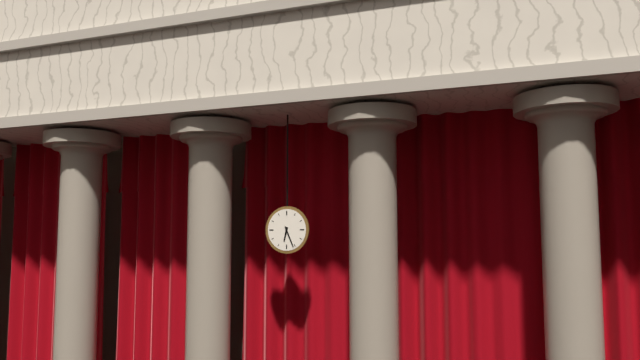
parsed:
6,26
